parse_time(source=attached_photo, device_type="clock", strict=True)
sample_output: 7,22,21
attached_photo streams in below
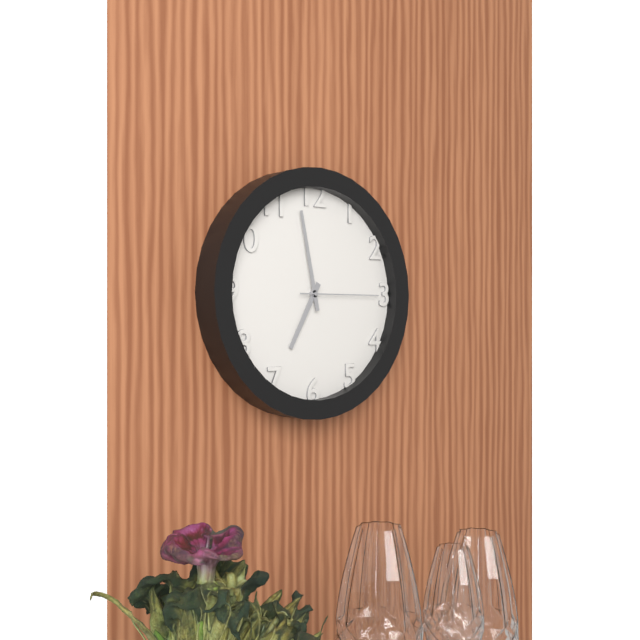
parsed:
6,58,15
